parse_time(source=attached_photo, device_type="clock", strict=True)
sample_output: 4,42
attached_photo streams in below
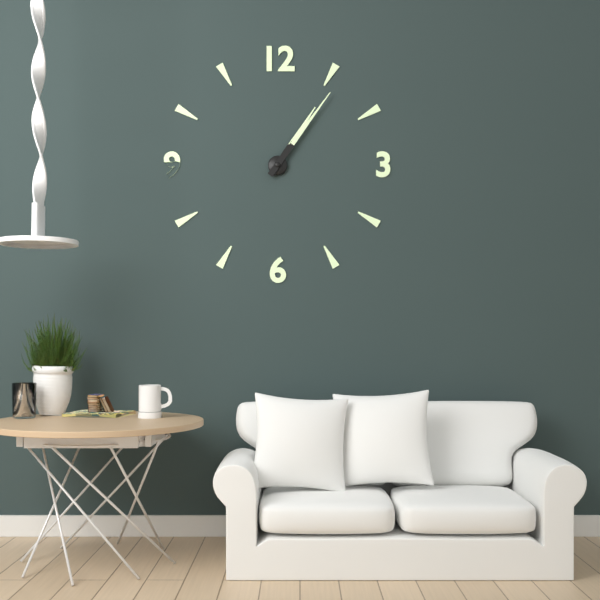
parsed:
1,06
